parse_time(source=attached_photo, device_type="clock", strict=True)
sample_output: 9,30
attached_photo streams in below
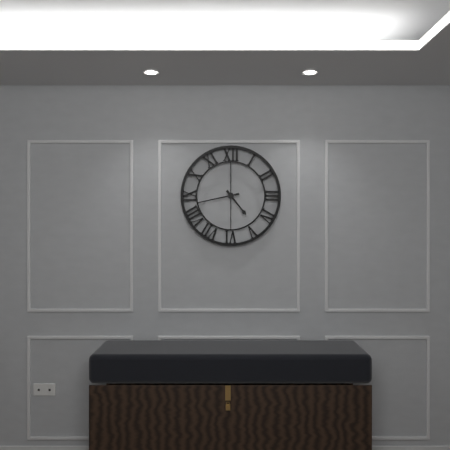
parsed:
4,43
